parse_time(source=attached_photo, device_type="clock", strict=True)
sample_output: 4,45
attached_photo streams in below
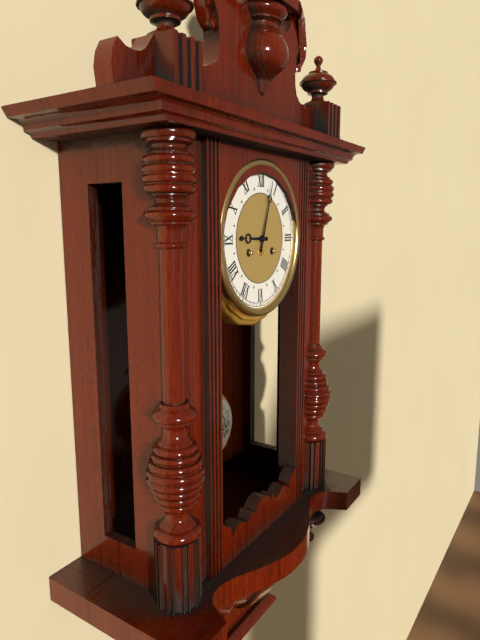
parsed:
9,03
